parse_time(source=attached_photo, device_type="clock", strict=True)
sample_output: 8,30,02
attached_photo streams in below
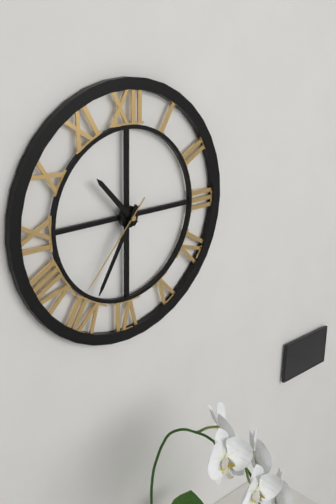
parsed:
10,35,37
